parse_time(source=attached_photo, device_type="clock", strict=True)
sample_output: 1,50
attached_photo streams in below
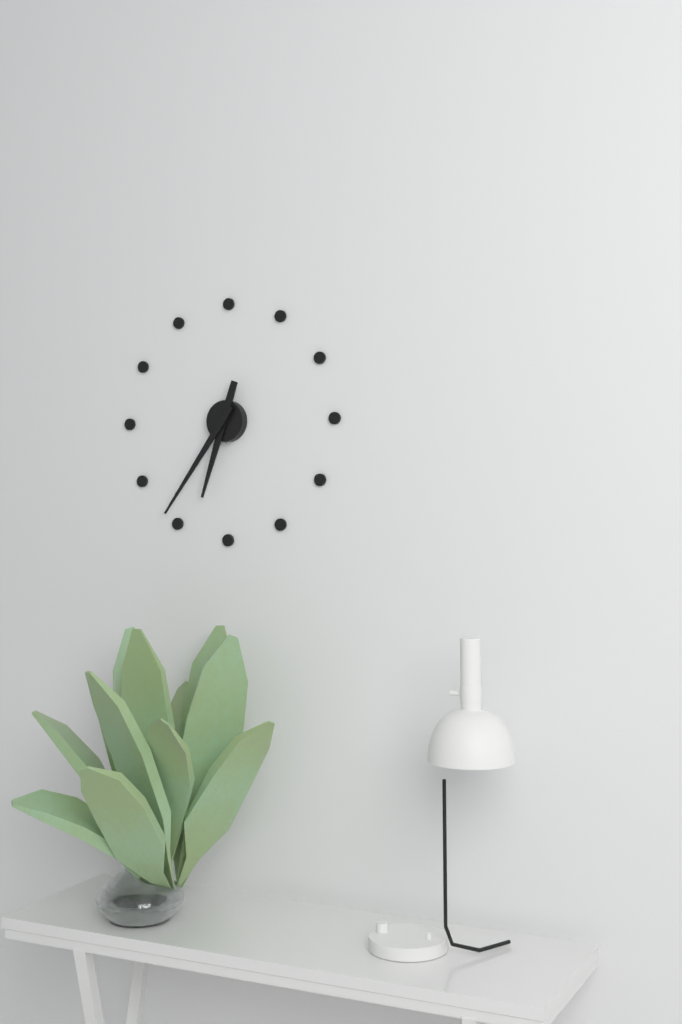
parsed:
6,36
